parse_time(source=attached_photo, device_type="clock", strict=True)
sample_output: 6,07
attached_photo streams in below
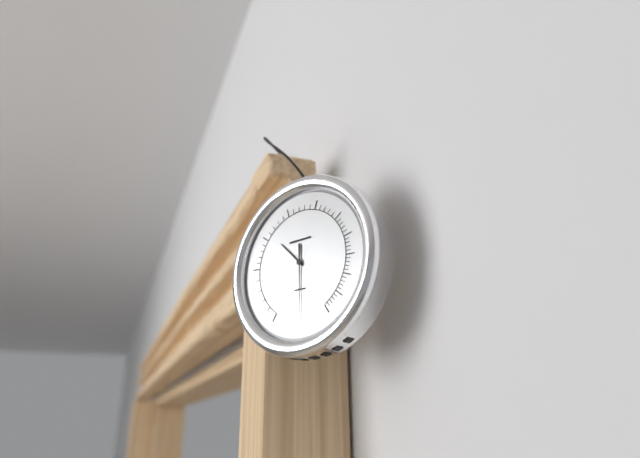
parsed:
10,30
